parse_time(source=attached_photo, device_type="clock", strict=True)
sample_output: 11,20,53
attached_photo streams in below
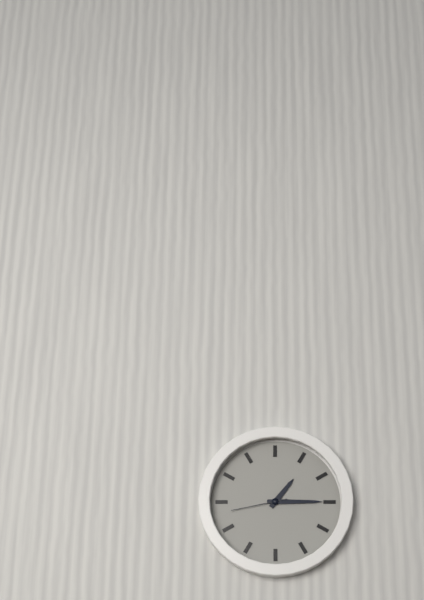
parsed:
1,15,43
